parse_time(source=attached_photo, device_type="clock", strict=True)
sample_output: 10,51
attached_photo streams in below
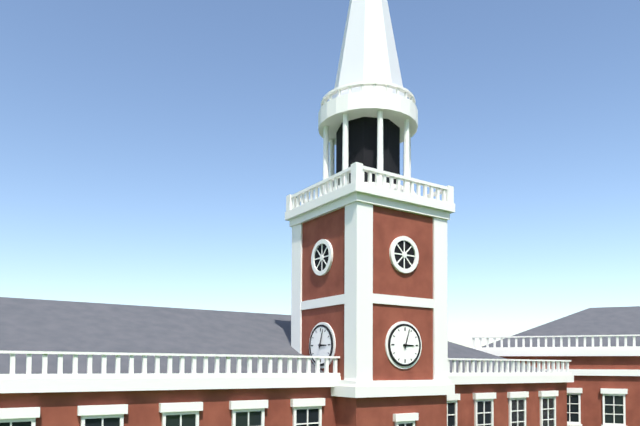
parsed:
3,03
